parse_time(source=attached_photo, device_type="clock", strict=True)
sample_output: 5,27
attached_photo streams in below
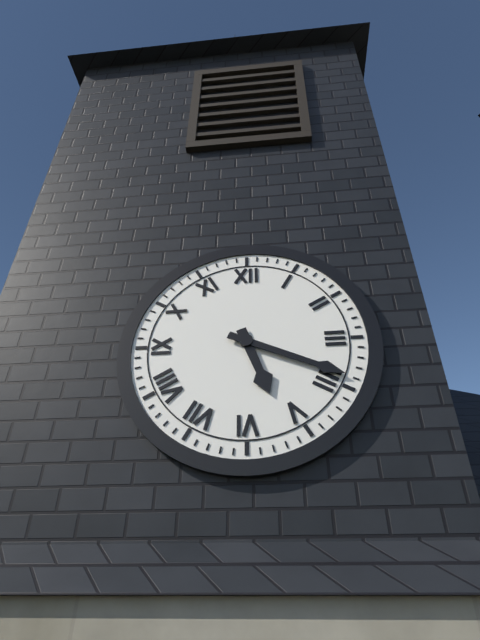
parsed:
5,19
